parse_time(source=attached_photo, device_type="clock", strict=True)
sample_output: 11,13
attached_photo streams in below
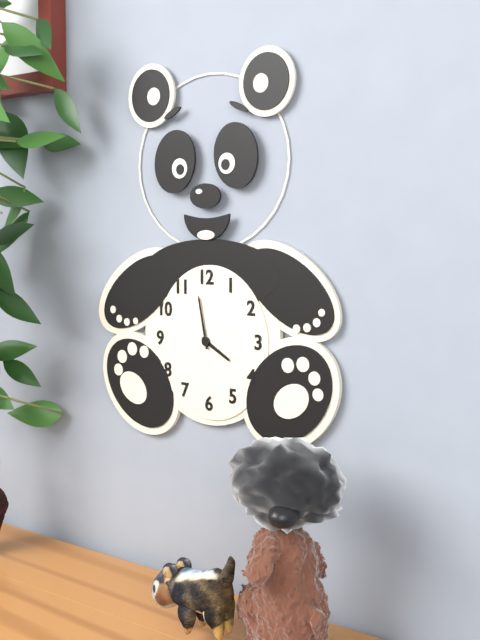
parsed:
3,58
